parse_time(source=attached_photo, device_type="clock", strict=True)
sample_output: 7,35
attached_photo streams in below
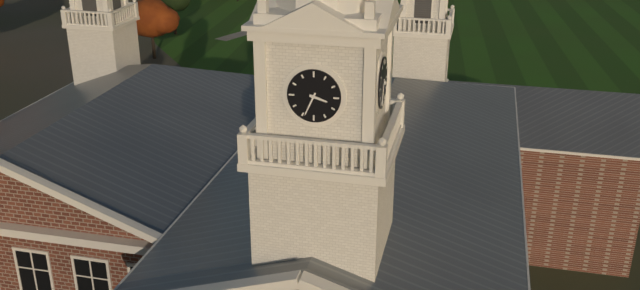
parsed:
3,34
